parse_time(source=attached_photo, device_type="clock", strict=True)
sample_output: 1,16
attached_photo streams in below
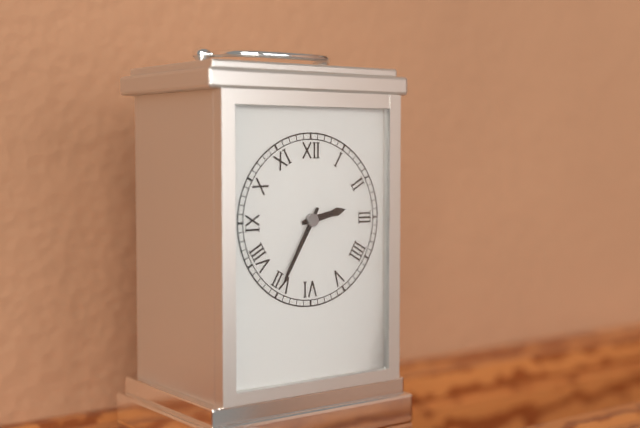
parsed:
2,35
